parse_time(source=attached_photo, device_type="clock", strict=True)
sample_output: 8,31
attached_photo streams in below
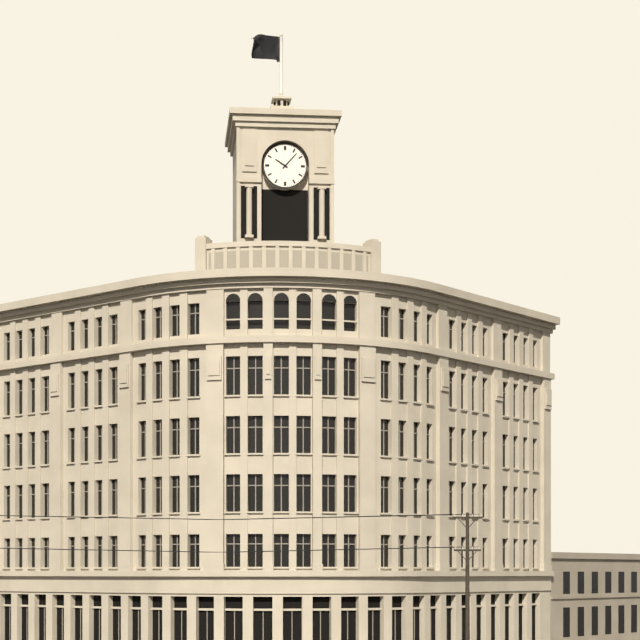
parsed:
10,07
